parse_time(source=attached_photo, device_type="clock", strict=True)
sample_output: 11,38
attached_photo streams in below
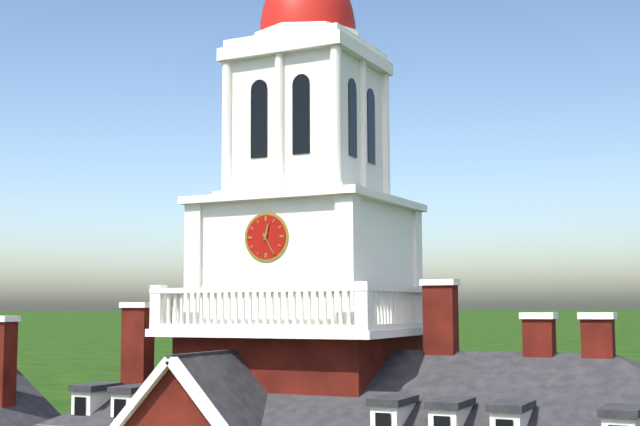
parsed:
12,25
